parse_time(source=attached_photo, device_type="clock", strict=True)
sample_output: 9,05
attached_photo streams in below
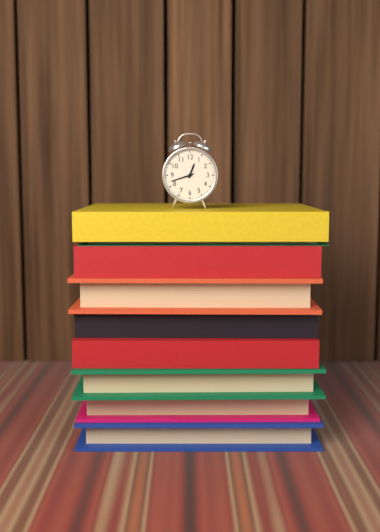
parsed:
12,42
